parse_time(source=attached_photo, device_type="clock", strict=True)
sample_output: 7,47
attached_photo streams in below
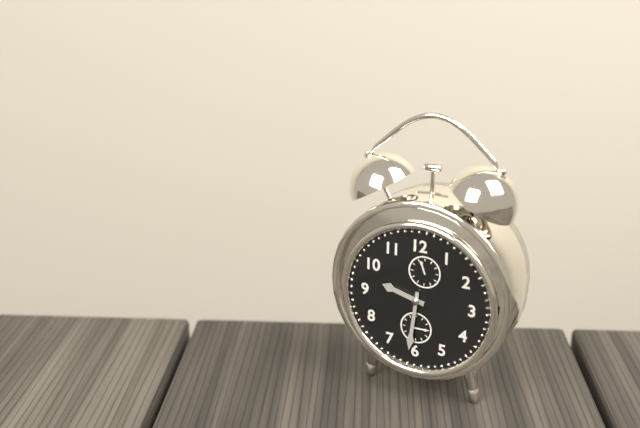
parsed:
9,31
